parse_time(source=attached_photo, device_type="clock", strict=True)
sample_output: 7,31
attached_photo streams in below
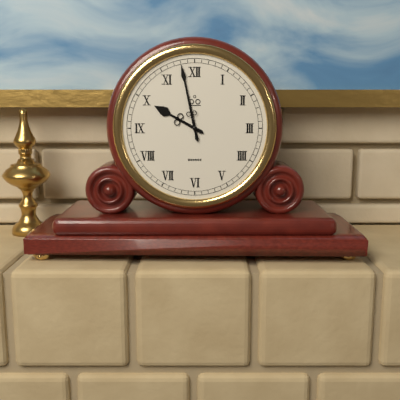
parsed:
9,58
